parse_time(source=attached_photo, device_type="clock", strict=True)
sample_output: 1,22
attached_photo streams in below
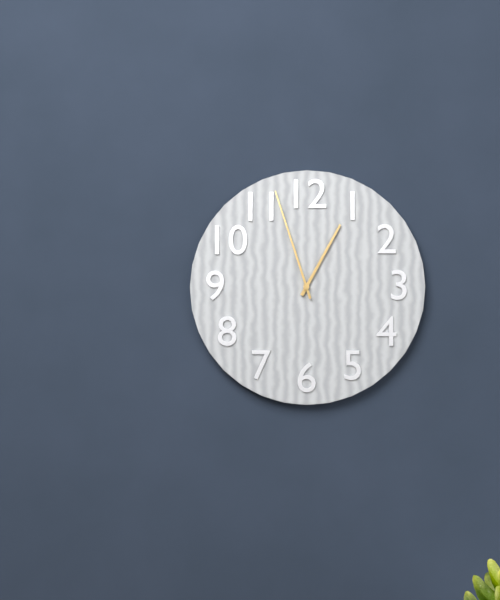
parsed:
12,57
